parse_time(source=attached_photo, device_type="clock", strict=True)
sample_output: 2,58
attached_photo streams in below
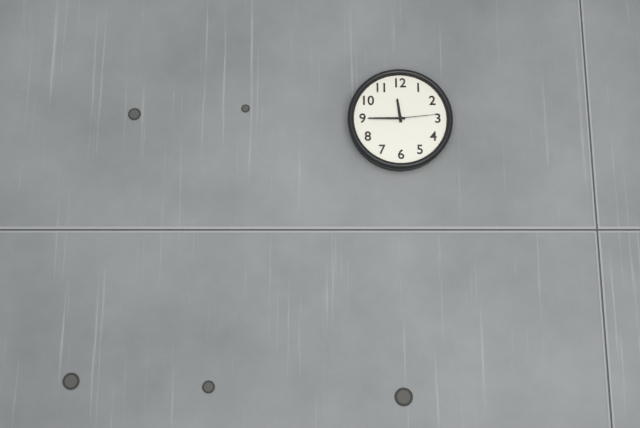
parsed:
11,45
